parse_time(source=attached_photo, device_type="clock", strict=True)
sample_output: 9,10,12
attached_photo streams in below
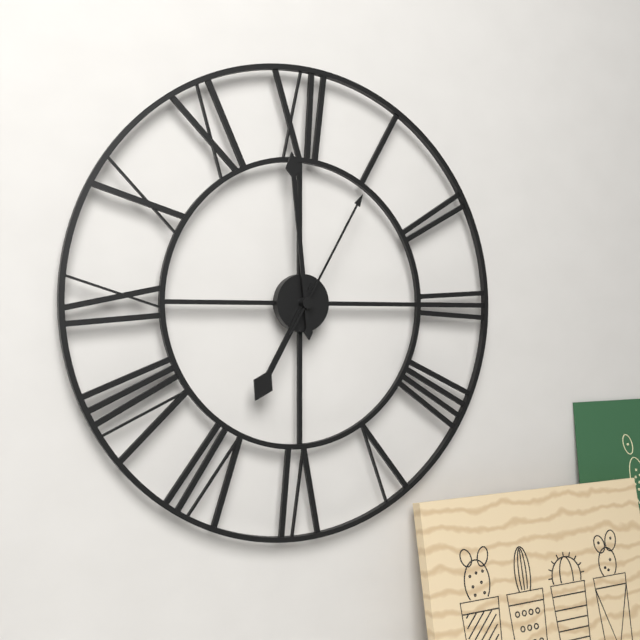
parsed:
6,59,05
